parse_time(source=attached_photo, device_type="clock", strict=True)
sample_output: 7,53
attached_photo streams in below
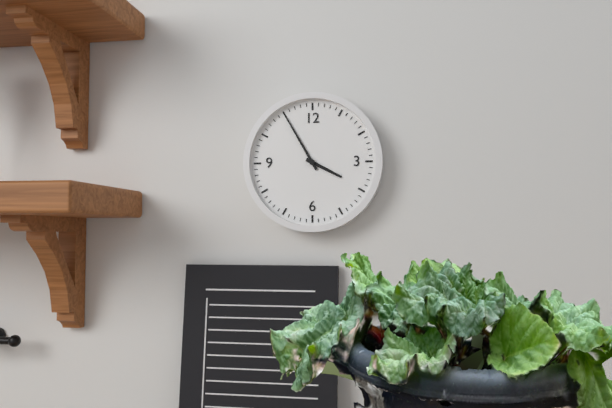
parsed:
3,55
